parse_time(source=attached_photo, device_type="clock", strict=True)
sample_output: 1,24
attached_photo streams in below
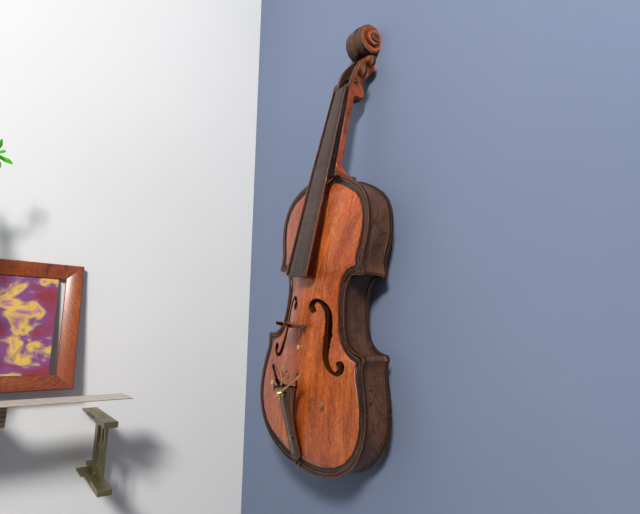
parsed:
12,09
